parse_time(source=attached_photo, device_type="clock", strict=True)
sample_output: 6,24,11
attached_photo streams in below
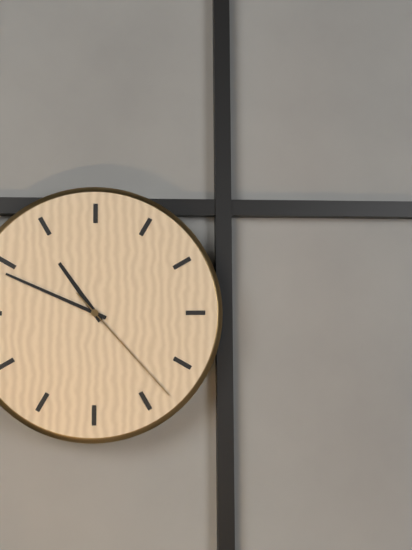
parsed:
10,49,23
